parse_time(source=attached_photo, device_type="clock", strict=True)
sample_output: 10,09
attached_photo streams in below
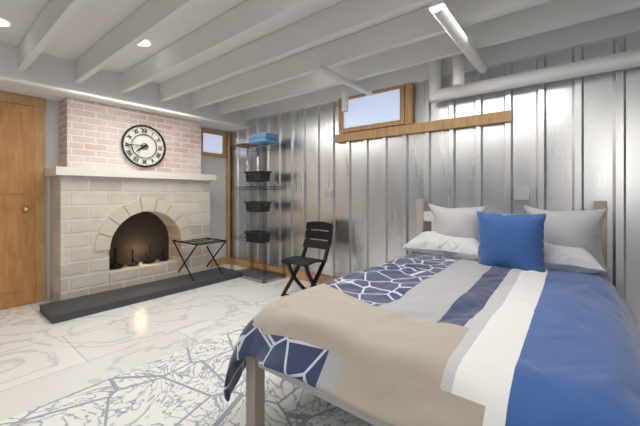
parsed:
7,45
